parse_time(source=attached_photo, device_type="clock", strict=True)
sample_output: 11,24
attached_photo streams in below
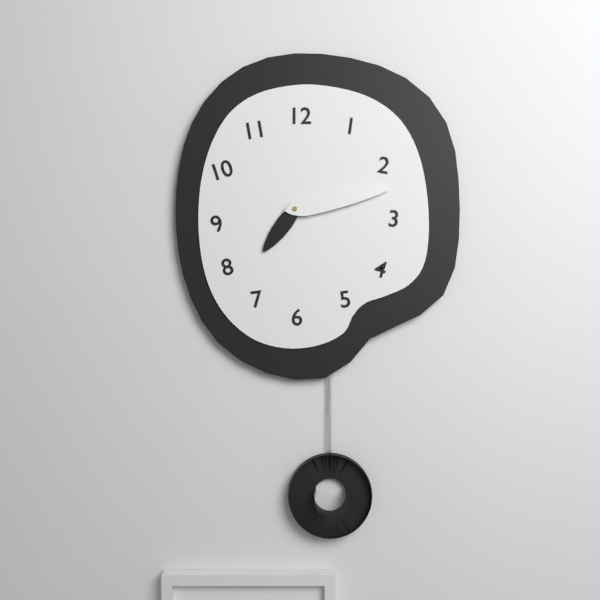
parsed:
7,13
